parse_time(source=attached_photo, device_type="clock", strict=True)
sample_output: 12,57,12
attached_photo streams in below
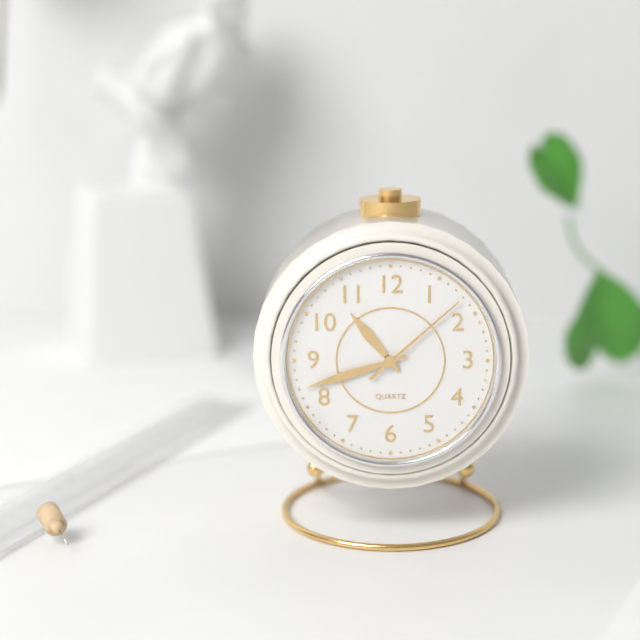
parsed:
10,42,08
